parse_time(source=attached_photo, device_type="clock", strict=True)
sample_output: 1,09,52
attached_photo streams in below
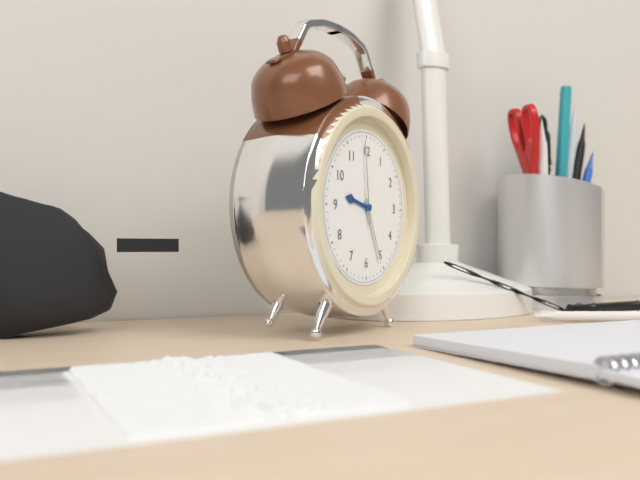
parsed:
9,26,59
